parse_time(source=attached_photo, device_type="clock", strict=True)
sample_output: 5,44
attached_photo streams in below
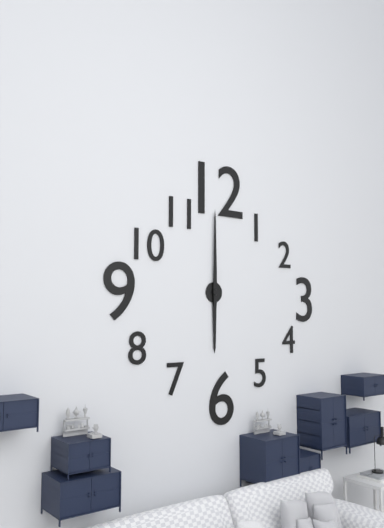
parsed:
6,00
